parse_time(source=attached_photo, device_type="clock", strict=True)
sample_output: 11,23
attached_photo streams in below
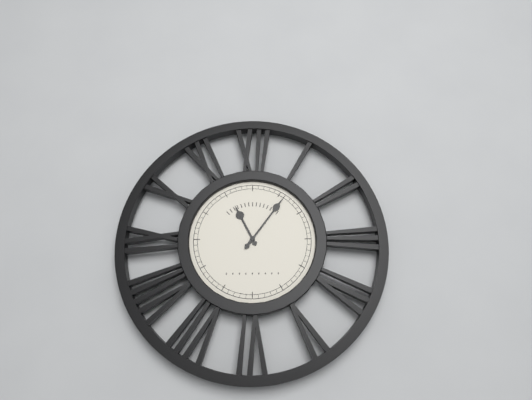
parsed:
11,06
